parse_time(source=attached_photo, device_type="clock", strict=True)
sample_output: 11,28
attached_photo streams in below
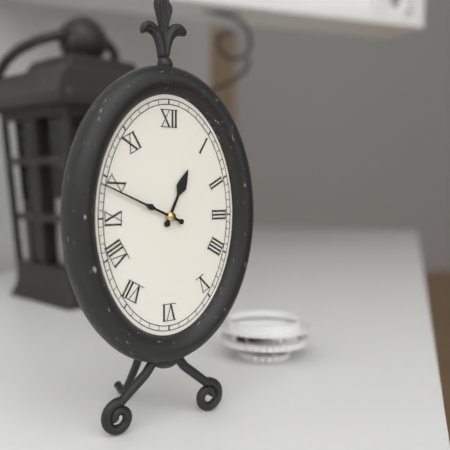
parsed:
12,49
